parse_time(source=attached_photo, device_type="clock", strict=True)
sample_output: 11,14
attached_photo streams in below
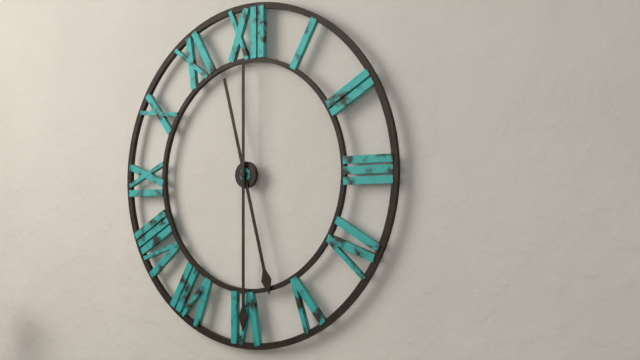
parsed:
5,30
